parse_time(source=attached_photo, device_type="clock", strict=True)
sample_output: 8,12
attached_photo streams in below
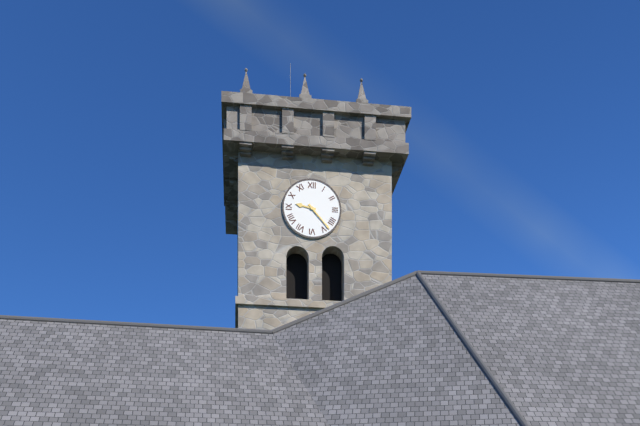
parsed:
9,23
